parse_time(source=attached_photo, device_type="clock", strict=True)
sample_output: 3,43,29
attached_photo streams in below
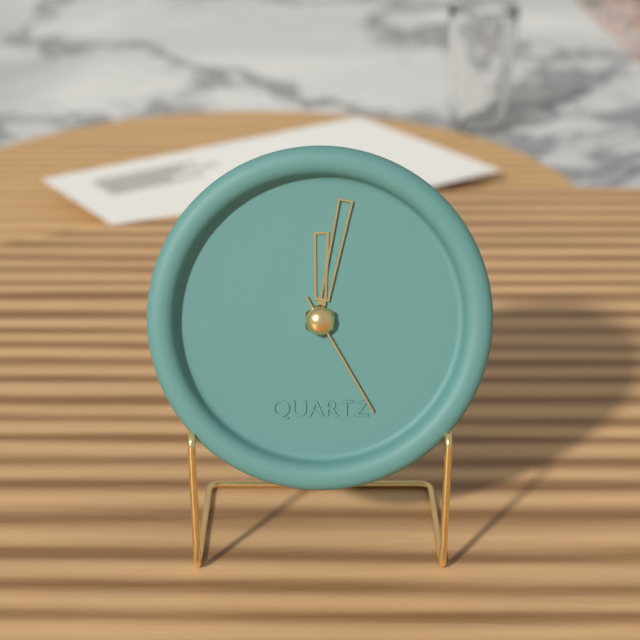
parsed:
12,02,25
